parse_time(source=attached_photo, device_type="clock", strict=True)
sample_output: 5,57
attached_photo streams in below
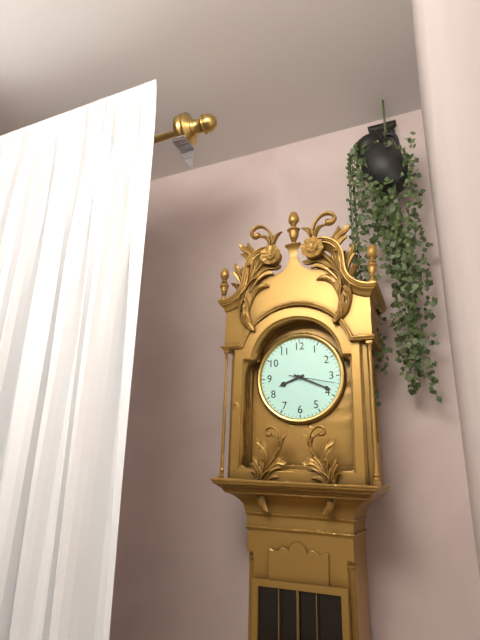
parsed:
8,19
